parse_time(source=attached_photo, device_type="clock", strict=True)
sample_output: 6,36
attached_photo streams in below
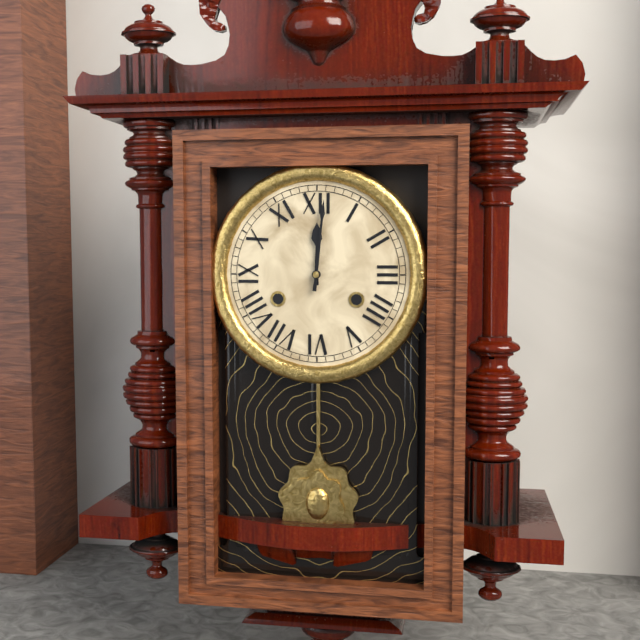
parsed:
12,01
